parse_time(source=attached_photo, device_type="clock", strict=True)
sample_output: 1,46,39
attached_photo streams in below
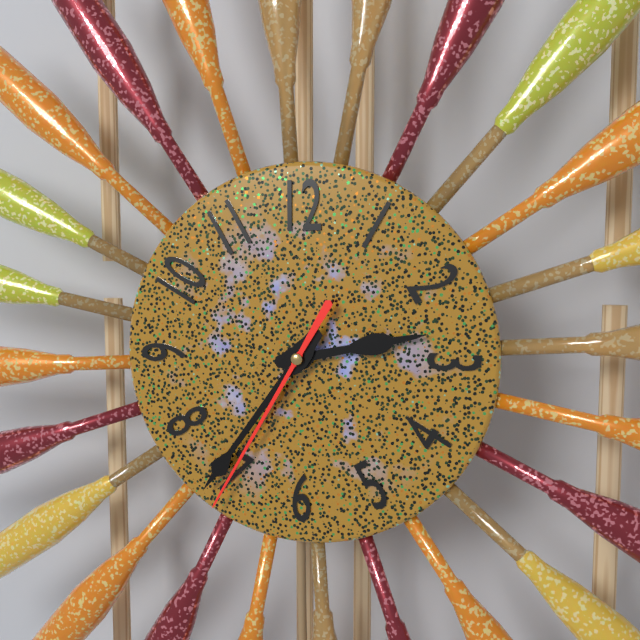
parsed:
2,36,35
